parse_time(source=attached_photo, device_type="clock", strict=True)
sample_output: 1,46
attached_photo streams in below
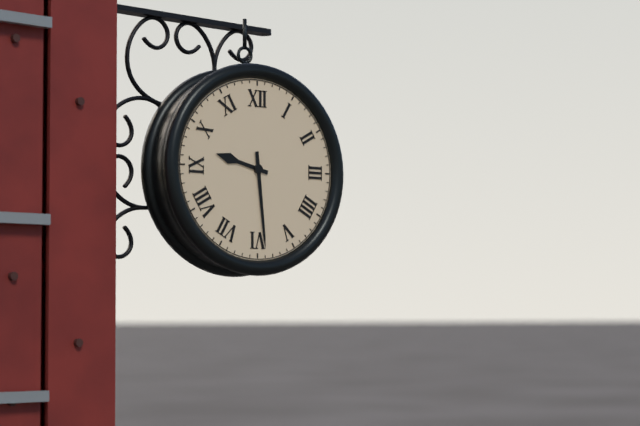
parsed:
9,29
